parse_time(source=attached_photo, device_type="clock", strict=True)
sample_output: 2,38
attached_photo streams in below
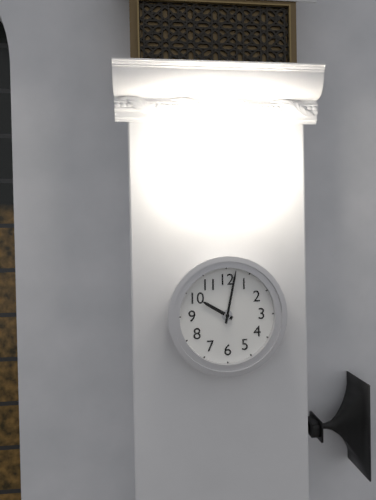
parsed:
10,02
